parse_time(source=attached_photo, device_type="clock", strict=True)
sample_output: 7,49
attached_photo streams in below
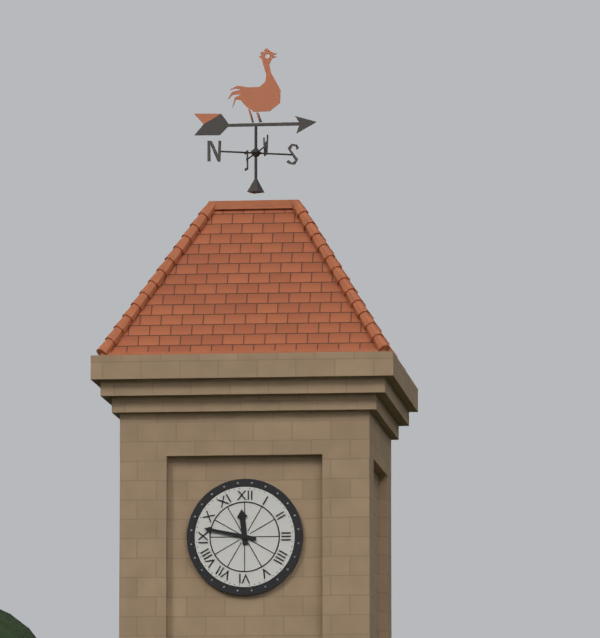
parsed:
11,47
